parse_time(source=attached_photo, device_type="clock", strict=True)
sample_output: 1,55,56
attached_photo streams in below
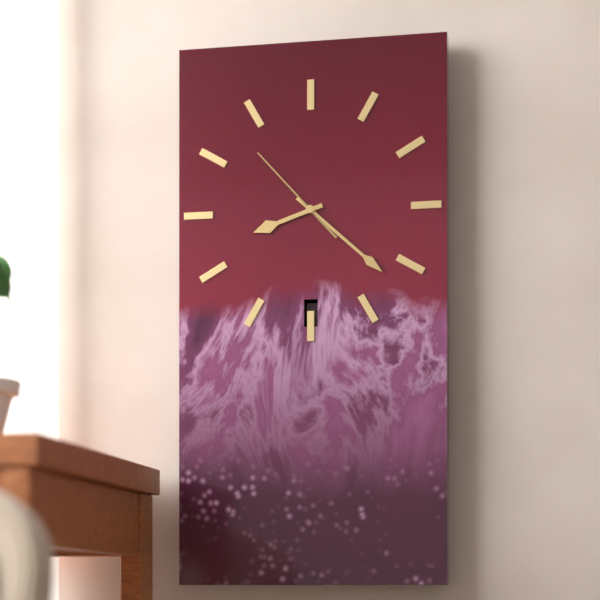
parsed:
8,22,53
